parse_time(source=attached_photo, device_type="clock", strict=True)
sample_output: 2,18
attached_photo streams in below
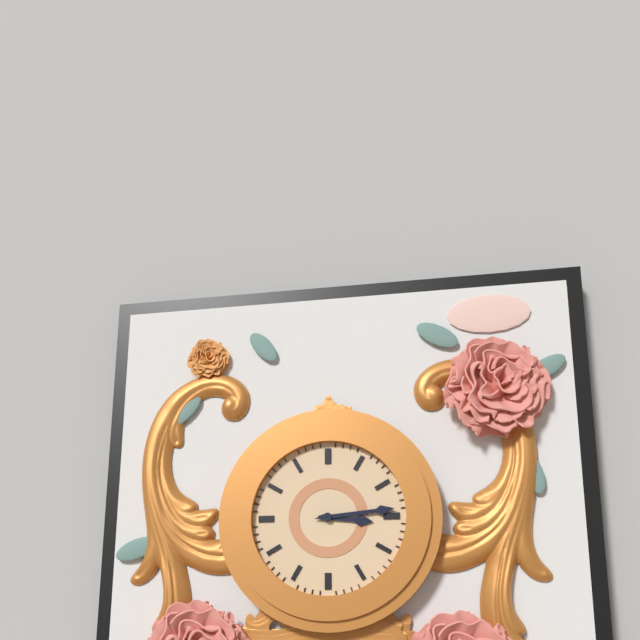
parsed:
3,14
